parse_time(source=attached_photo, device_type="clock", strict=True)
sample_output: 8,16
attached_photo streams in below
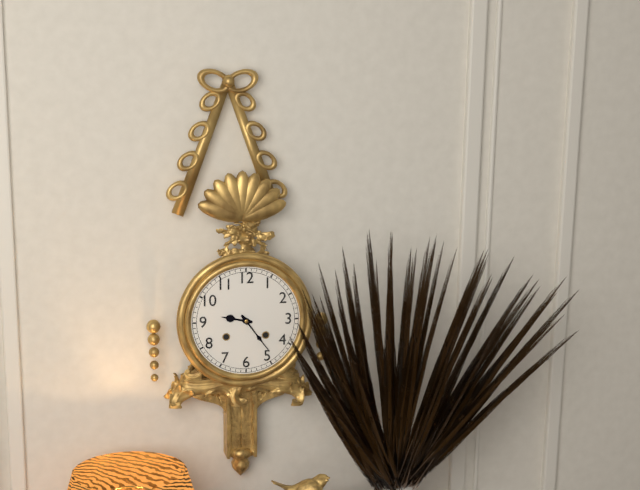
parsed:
9,24
